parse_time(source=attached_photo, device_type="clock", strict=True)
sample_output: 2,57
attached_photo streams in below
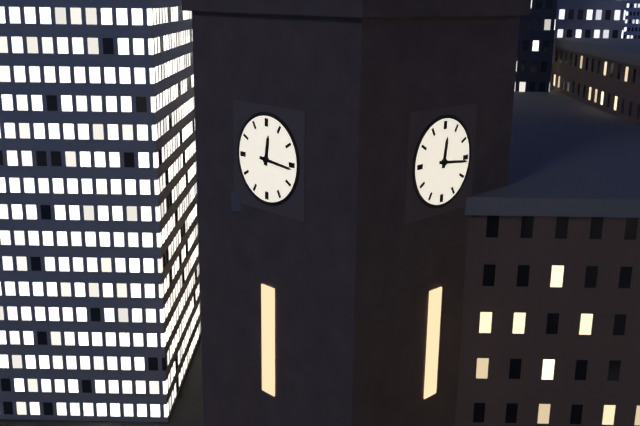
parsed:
12,16
